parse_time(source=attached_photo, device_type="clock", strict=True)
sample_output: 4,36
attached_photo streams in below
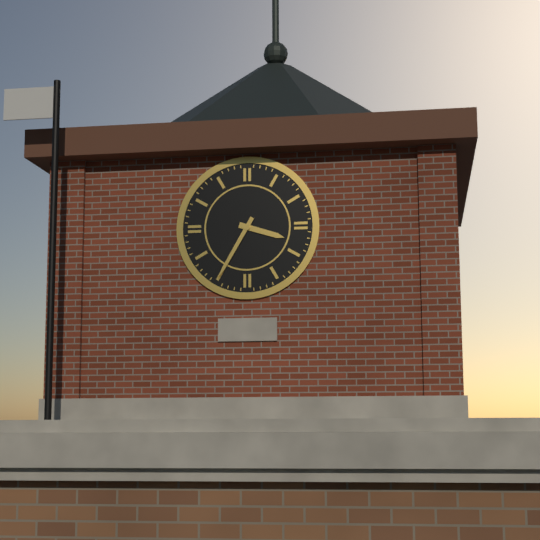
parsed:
3,35
